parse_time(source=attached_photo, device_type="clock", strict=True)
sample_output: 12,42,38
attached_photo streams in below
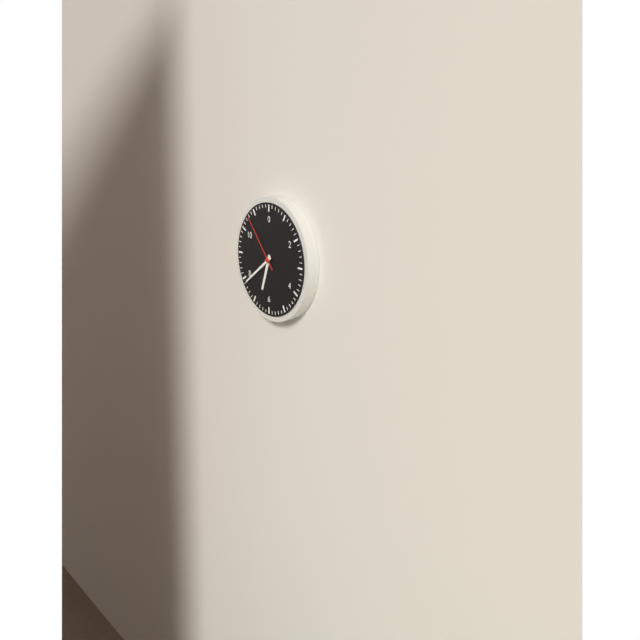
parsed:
6,39,53
